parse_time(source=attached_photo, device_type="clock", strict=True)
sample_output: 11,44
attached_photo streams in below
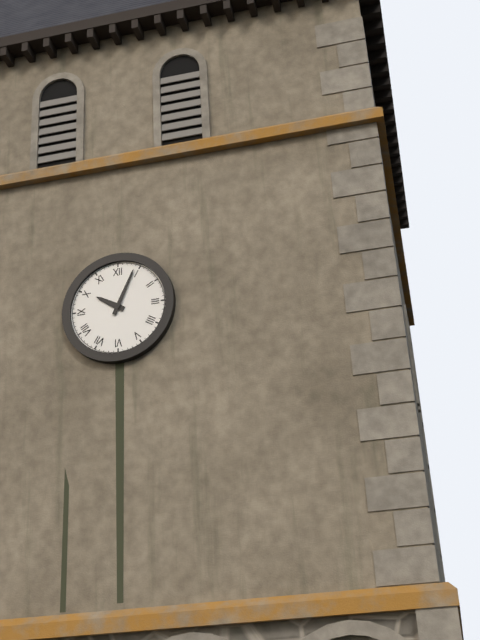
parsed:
10,04
